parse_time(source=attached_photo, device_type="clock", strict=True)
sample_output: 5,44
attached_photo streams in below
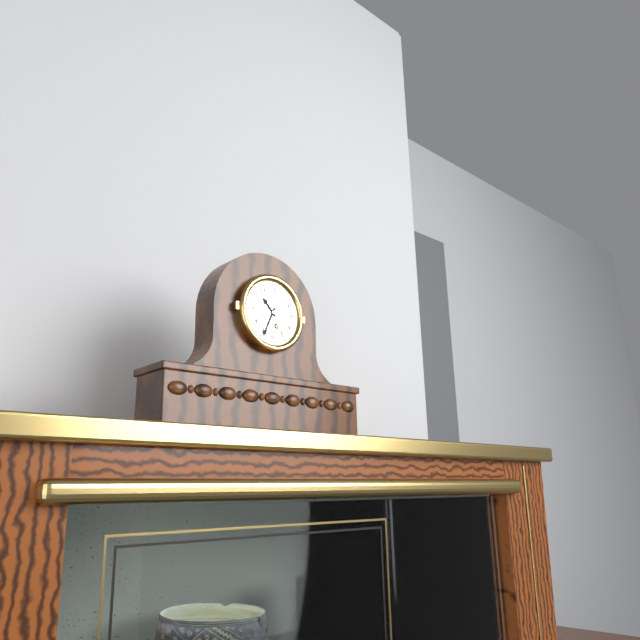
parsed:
10,34
